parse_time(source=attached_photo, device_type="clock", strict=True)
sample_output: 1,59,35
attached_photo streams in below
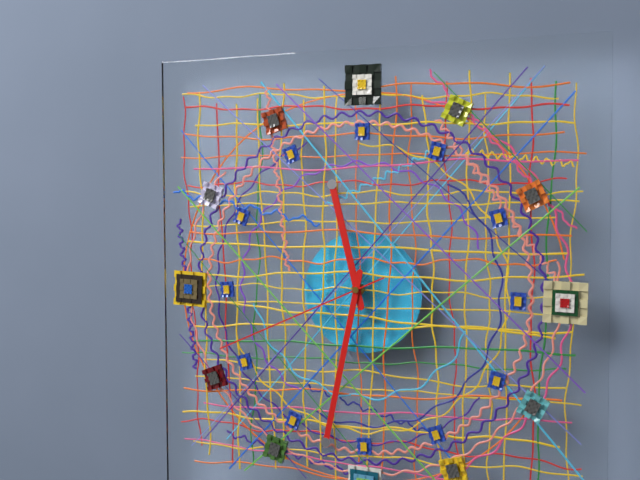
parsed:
11,32,41
